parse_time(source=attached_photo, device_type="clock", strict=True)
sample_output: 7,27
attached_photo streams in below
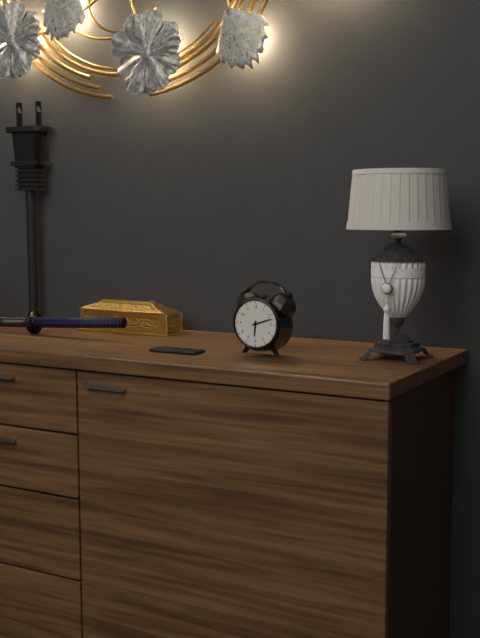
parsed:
6,12
